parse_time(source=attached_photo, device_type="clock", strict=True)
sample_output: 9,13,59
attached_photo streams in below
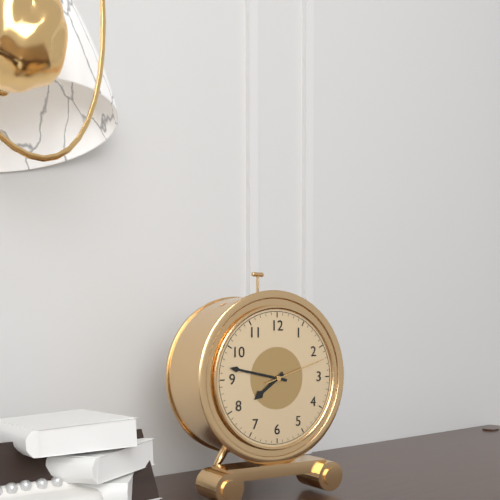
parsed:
7,47,12
